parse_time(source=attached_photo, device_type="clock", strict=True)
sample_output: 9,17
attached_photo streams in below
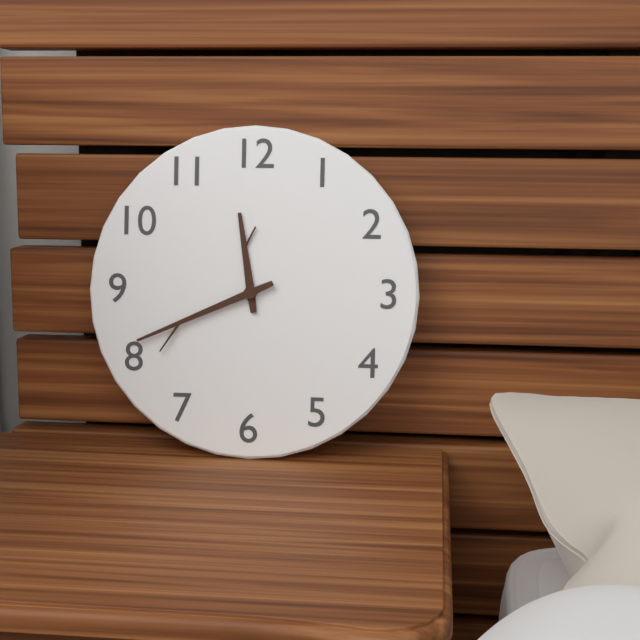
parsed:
11,41
